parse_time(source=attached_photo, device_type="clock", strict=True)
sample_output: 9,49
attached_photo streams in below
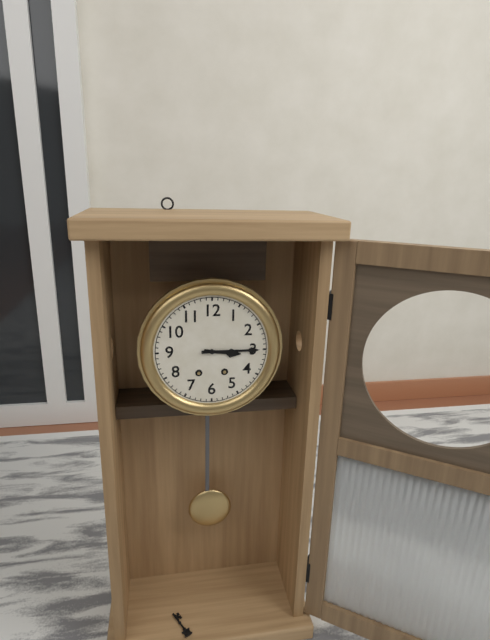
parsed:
3,15
